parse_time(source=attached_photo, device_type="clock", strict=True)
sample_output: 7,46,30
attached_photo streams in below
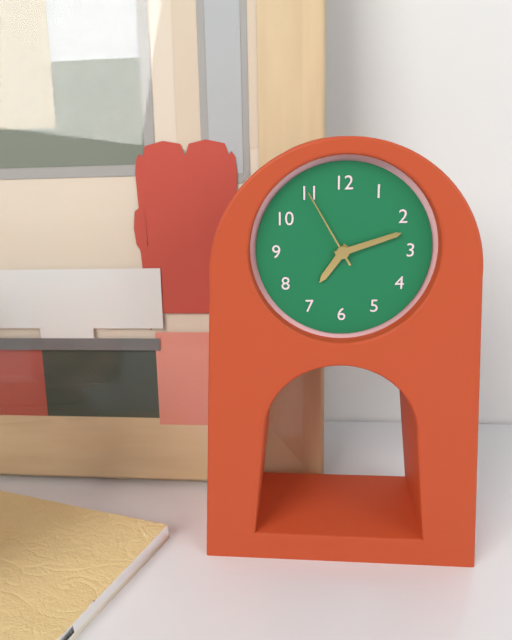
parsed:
7,12,55
